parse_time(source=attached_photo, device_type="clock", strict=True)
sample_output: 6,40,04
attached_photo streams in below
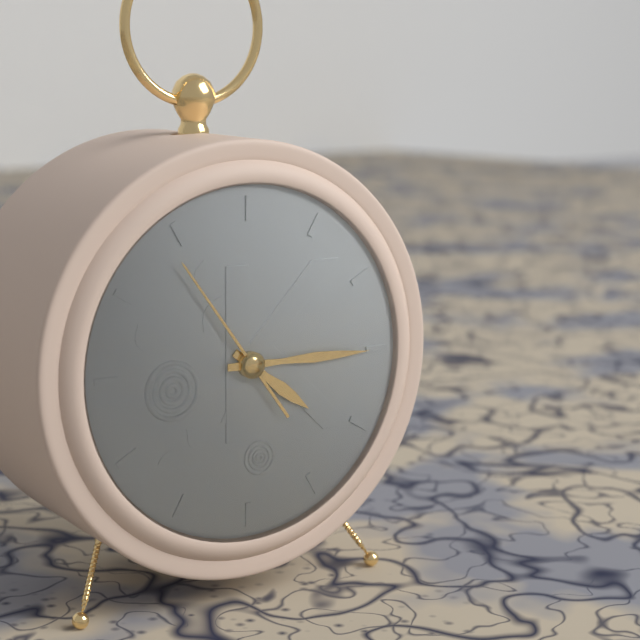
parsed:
4,15,54
